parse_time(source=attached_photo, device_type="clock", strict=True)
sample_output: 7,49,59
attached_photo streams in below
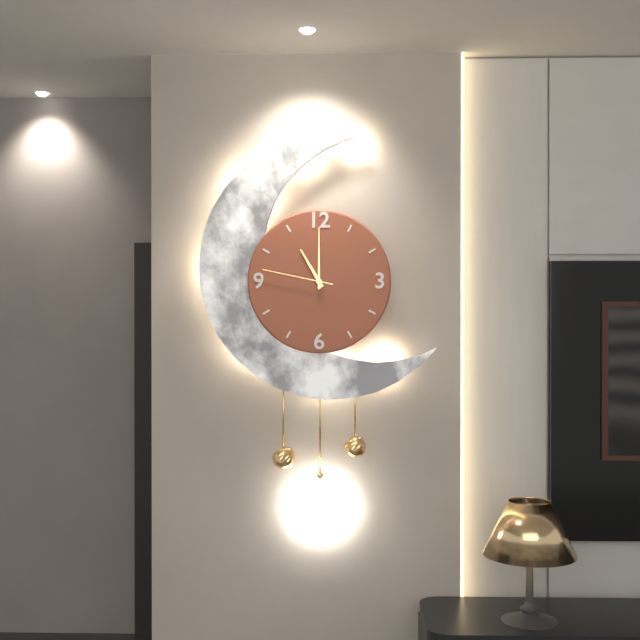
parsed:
11,00,47
